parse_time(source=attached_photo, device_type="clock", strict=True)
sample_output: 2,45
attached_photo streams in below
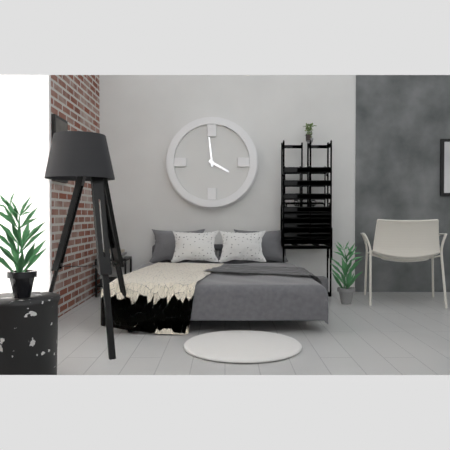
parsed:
3,59
